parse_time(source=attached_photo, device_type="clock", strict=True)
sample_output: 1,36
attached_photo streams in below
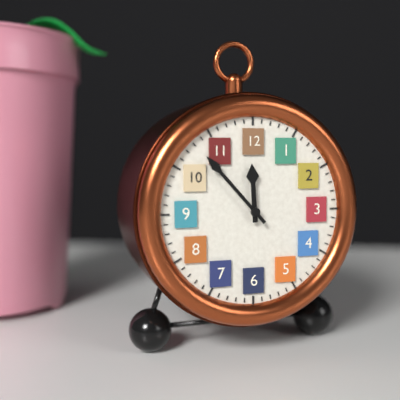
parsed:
11,53
